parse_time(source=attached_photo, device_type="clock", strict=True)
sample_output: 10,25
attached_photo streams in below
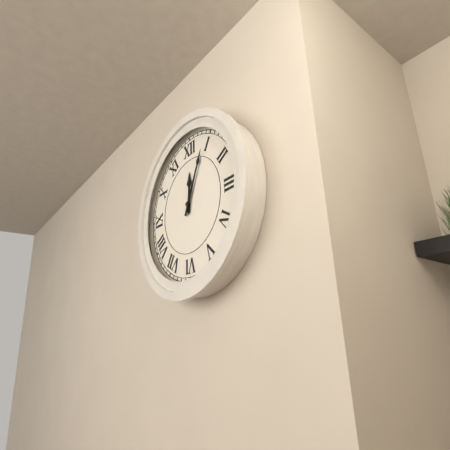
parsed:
12,04
